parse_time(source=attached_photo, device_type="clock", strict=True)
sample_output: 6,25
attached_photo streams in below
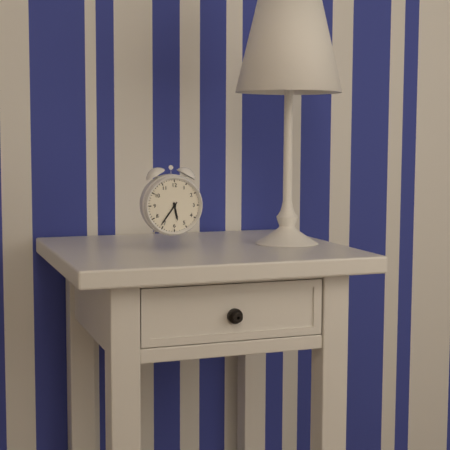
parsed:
5,36
